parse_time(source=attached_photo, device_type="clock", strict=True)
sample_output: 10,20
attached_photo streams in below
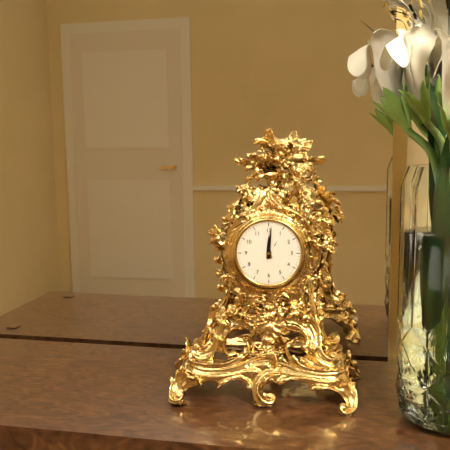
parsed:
12,01
